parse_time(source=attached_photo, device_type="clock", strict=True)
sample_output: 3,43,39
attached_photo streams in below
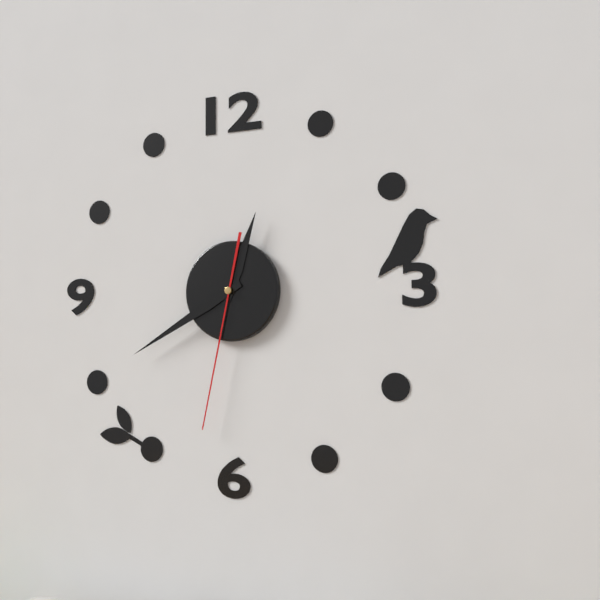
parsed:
12,40,32
